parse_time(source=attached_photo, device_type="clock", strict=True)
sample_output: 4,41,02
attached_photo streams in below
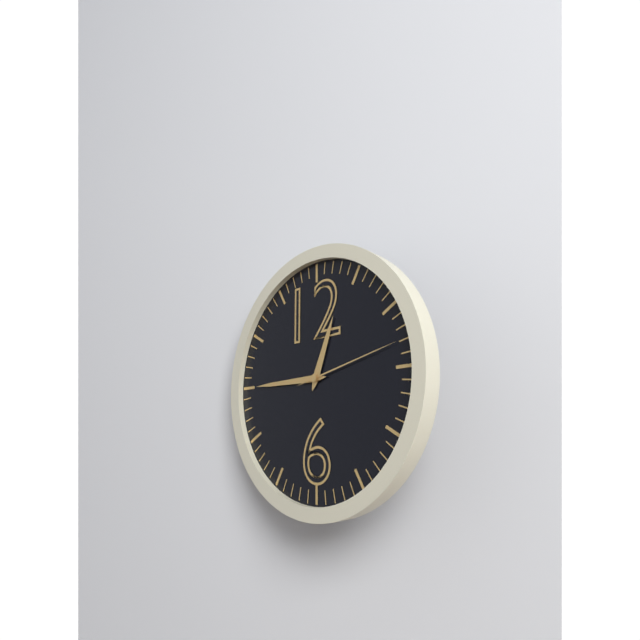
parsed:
12,45,13
